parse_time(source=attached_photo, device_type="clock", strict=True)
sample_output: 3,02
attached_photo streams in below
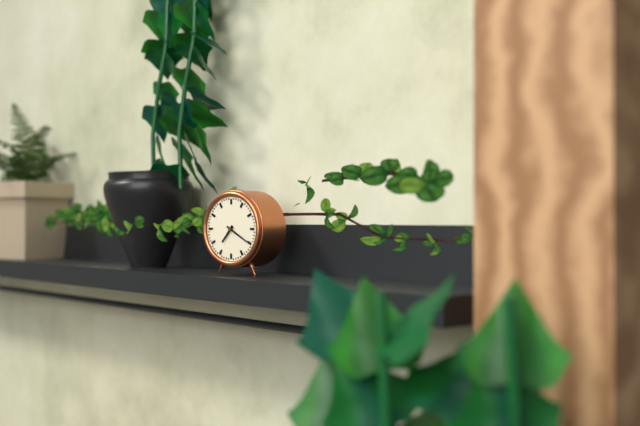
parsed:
7,20
